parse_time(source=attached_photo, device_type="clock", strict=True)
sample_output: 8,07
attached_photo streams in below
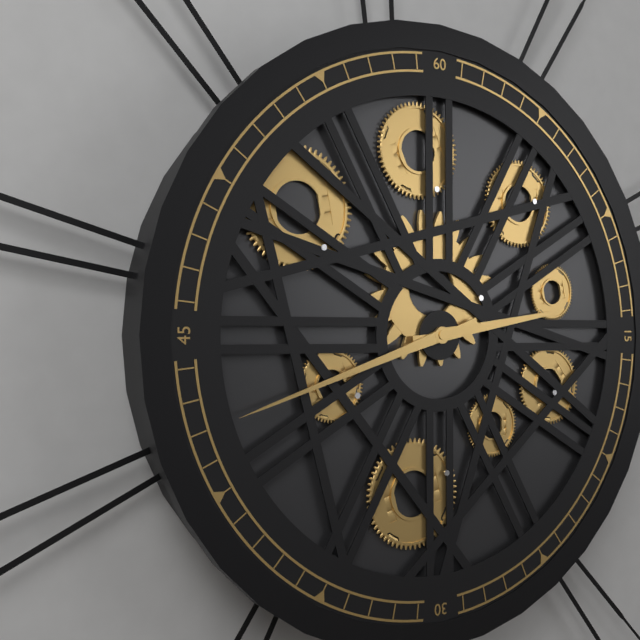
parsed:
2,42
